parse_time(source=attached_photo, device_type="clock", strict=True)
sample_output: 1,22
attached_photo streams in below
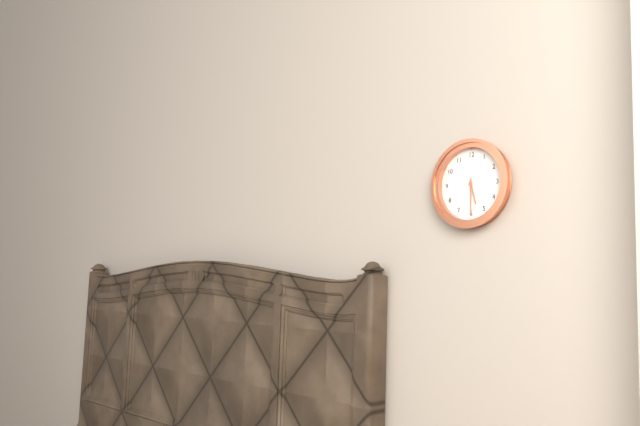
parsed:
5,30
